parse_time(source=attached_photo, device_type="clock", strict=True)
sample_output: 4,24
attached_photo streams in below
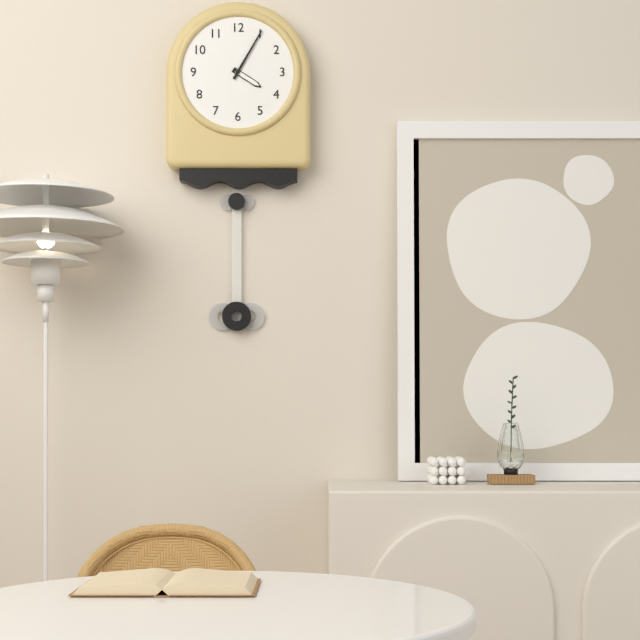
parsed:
4,05
